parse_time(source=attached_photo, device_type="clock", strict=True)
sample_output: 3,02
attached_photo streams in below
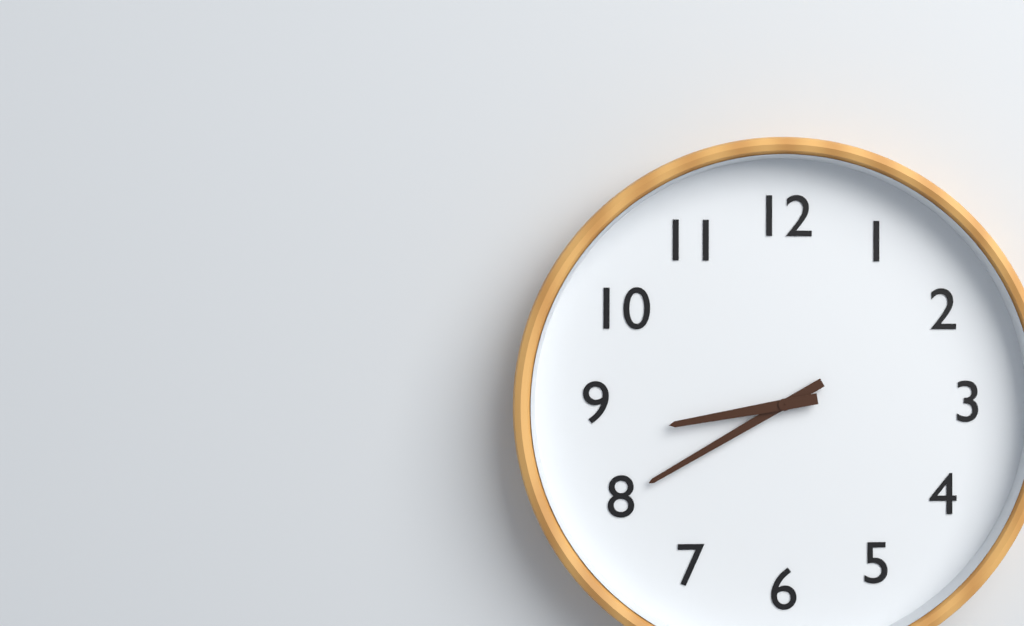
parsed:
8,40
